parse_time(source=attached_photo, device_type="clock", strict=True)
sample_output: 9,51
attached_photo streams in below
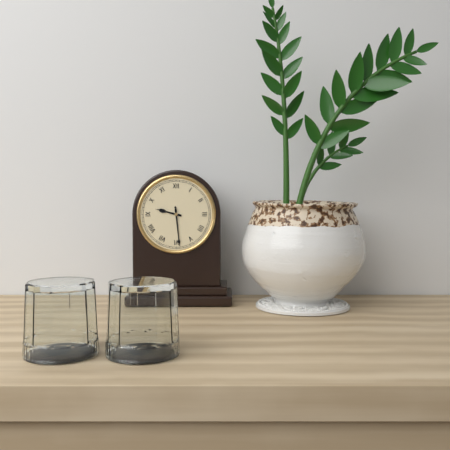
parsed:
9,29
